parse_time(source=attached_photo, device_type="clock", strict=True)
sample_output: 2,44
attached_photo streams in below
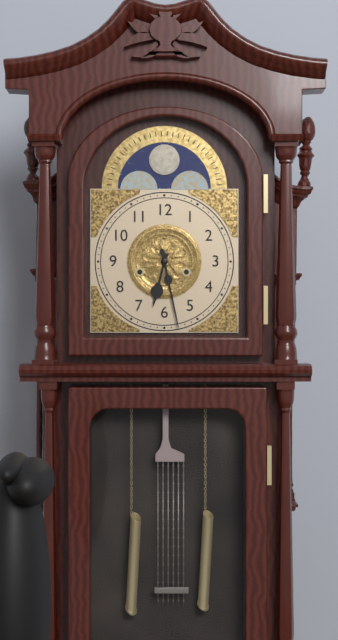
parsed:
6,28
